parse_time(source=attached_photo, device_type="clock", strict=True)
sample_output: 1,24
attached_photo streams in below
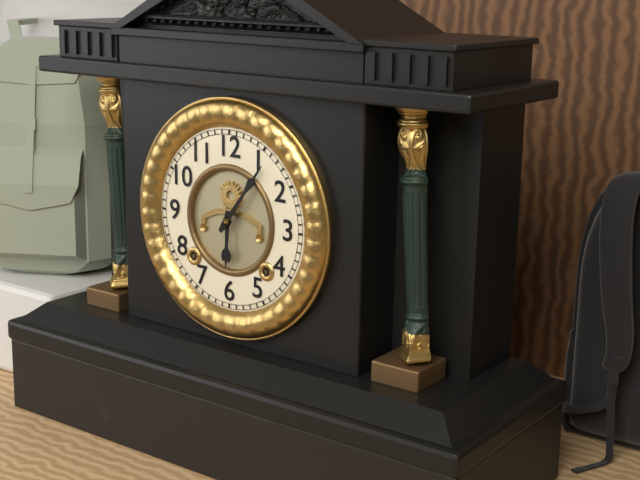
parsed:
6,06
